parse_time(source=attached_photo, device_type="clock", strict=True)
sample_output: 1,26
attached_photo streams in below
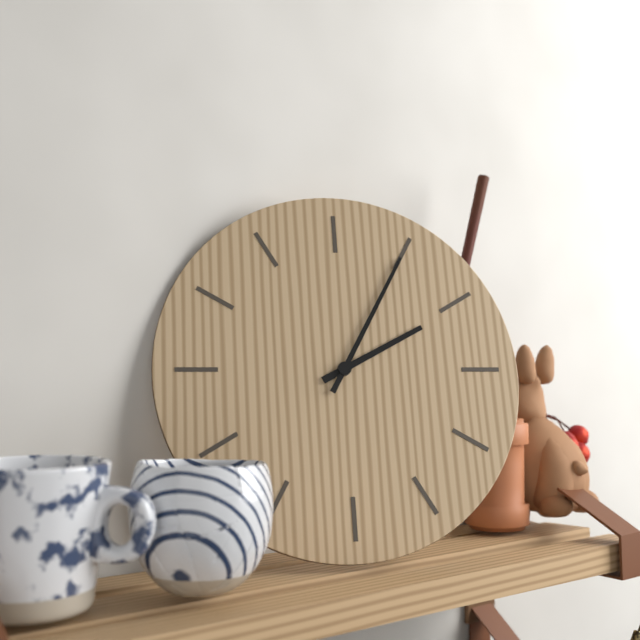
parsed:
2,05
